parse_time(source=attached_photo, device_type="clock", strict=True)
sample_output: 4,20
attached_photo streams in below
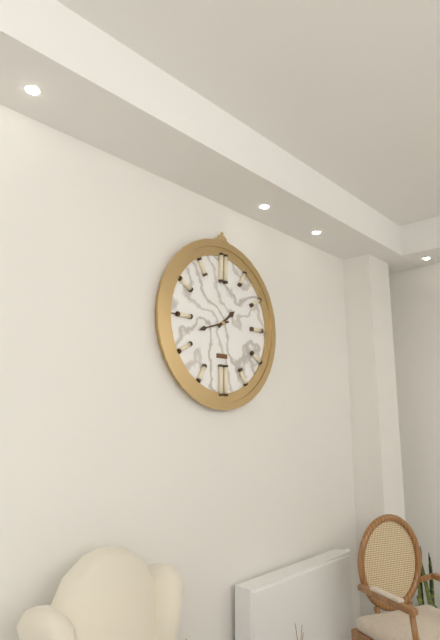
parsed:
1,42
